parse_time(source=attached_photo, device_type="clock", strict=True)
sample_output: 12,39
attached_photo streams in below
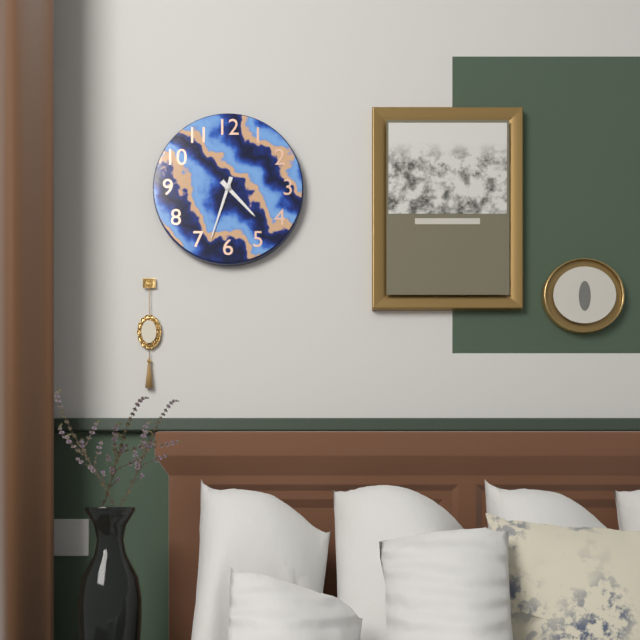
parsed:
4,33
